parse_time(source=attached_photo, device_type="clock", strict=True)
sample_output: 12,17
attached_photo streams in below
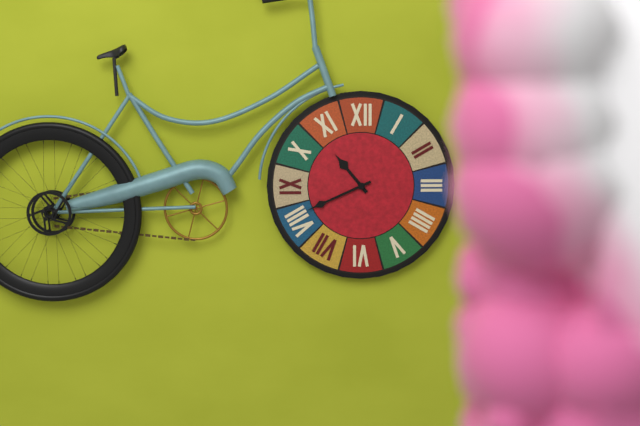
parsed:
10,41
